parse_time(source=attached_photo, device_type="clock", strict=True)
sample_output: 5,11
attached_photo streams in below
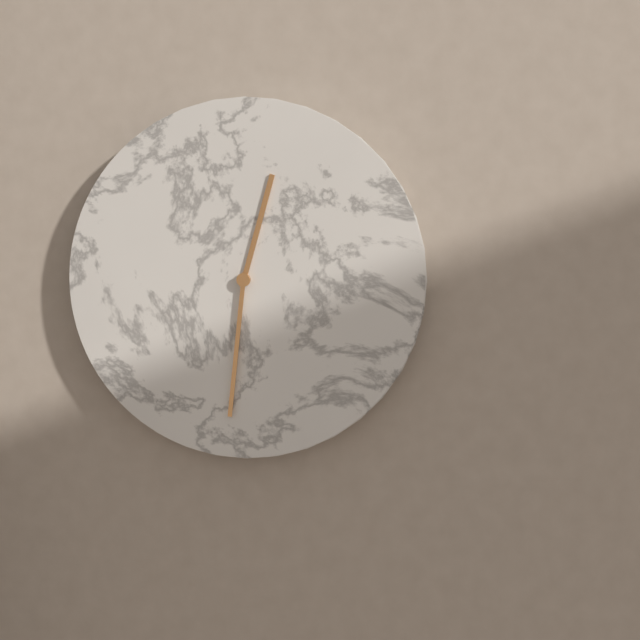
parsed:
12,31
